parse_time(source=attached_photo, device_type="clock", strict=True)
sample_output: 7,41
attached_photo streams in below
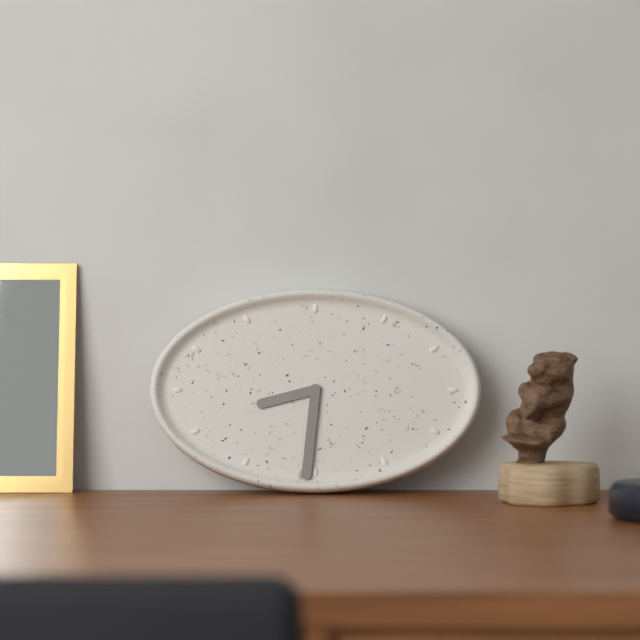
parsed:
8,31
